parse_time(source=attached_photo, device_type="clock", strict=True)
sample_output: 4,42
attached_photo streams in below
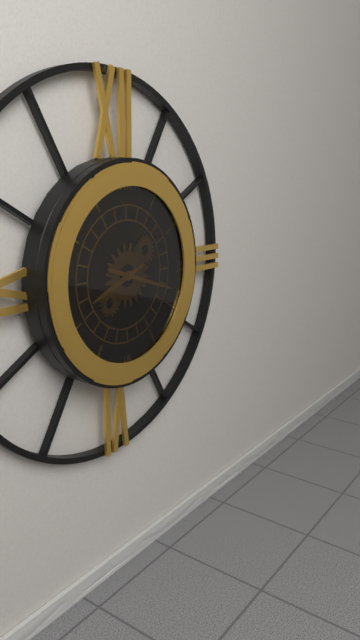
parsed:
8,18
